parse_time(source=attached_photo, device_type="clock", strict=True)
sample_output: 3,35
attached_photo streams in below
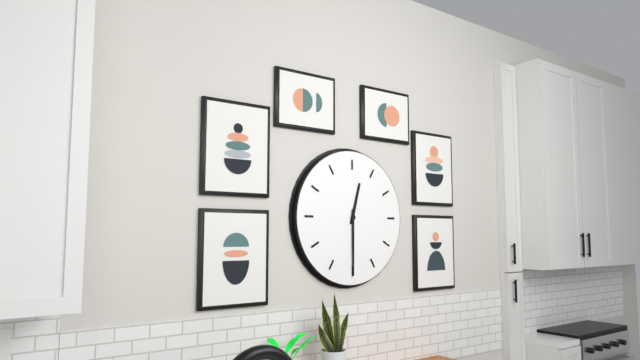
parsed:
12,30
